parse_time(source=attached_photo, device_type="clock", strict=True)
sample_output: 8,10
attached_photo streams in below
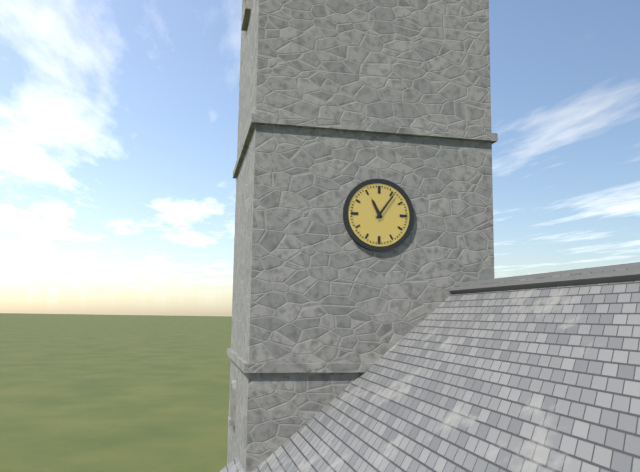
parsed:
11,06
